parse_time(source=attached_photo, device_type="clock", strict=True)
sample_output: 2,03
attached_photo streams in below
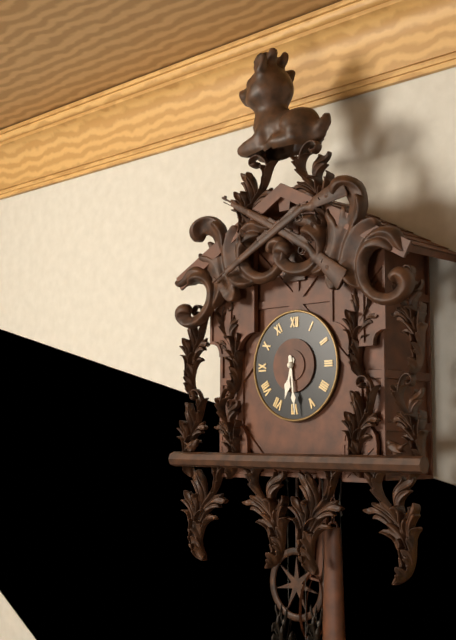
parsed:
6,29
